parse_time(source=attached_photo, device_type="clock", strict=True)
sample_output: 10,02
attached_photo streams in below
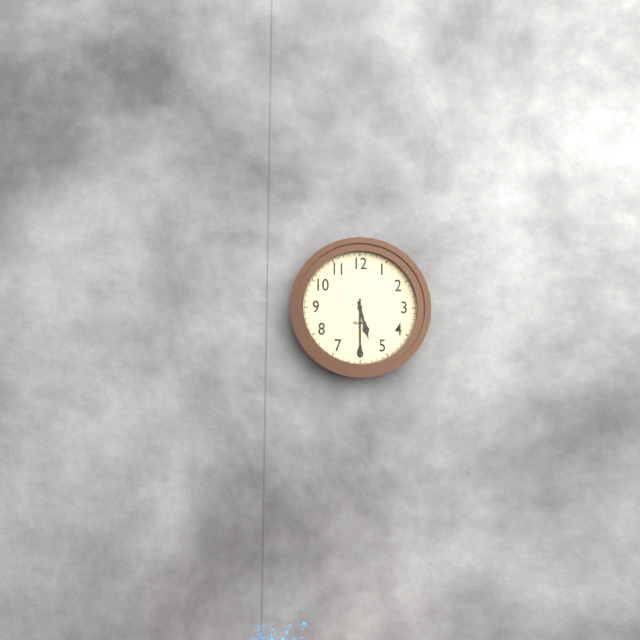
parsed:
5,30
